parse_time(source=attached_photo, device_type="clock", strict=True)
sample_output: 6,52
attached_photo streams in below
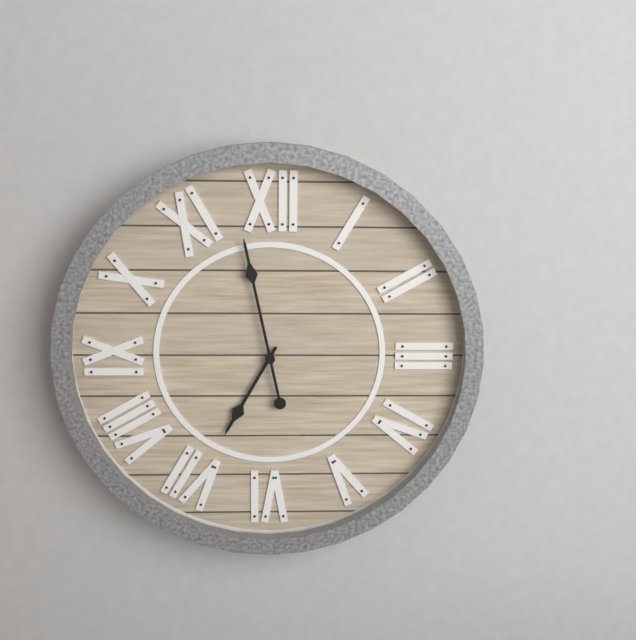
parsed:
6,58
